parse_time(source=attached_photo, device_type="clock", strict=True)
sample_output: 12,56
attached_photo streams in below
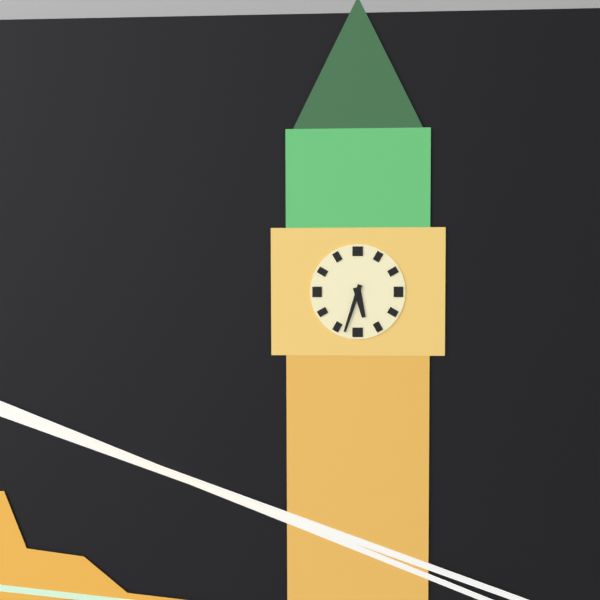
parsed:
5,33
